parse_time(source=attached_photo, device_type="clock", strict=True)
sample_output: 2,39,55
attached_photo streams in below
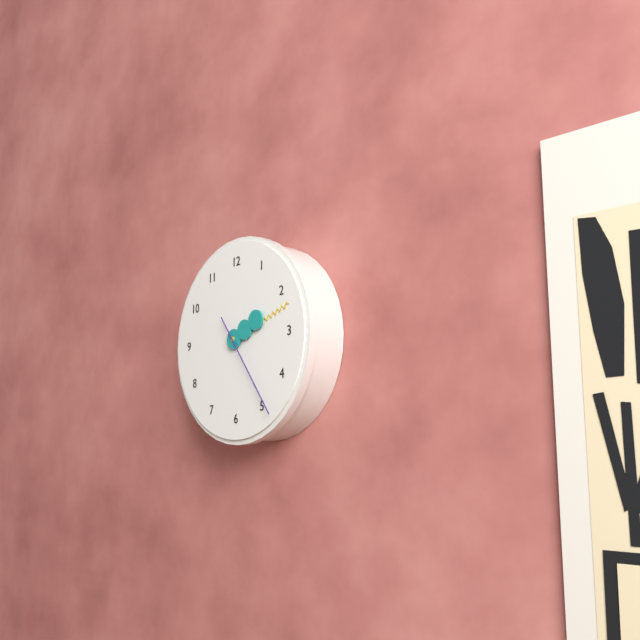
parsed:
2,12,24
